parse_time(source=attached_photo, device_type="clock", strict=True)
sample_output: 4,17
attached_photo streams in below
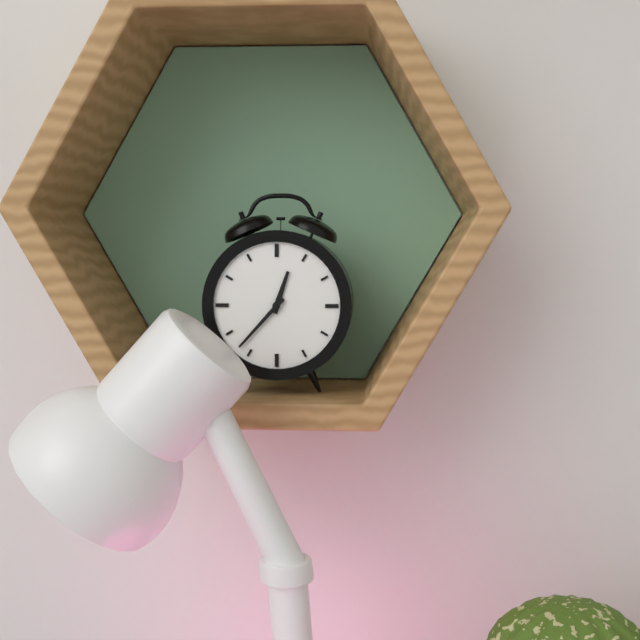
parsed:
12,37
